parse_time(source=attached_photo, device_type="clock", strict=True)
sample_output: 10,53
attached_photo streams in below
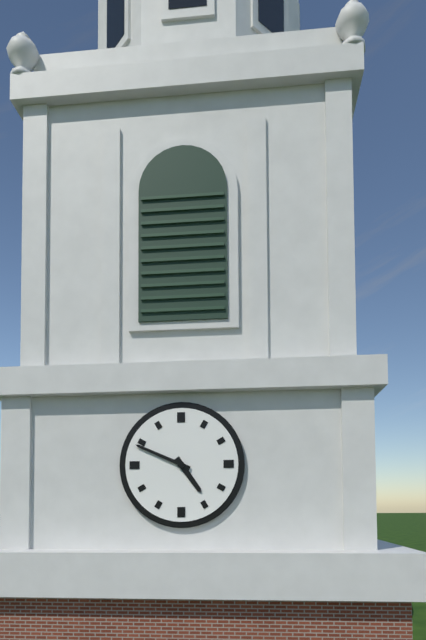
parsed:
4,49
